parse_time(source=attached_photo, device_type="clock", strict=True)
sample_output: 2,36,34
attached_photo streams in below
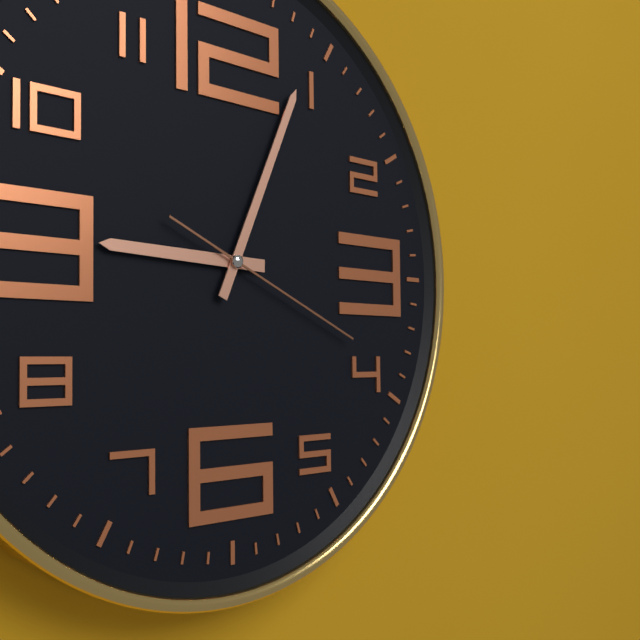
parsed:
9,04,19
